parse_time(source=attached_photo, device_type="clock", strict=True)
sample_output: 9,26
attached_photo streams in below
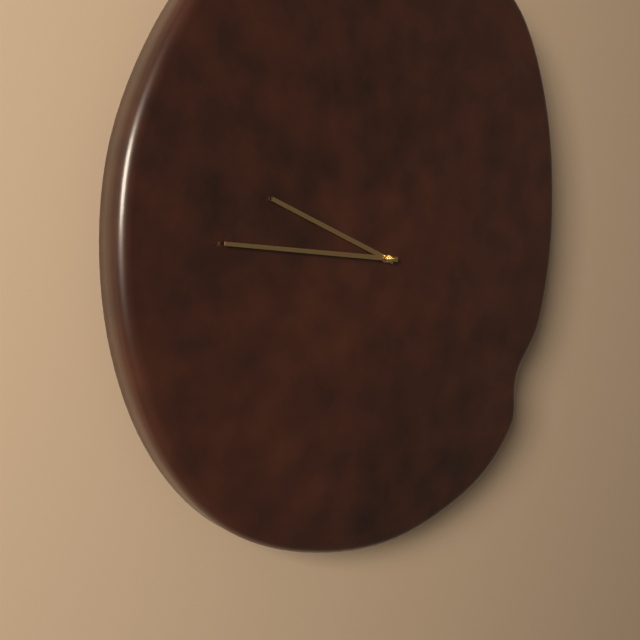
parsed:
9,46
